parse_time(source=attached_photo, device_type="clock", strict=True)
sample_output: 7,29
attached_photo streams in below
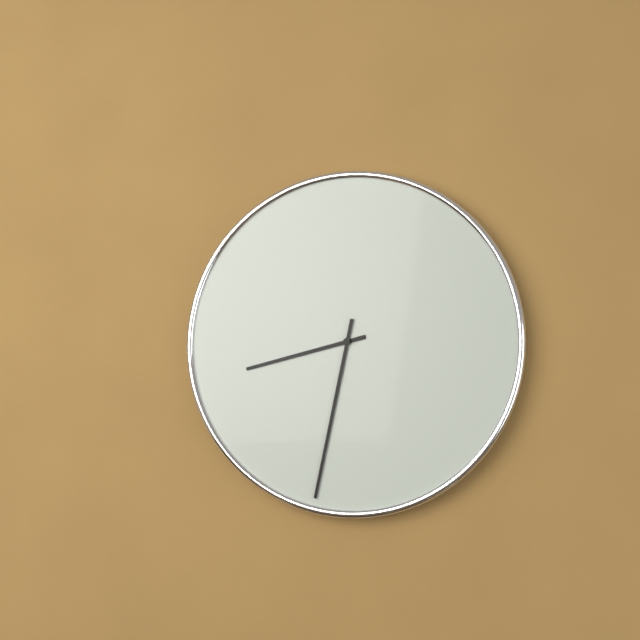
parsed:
8,32
